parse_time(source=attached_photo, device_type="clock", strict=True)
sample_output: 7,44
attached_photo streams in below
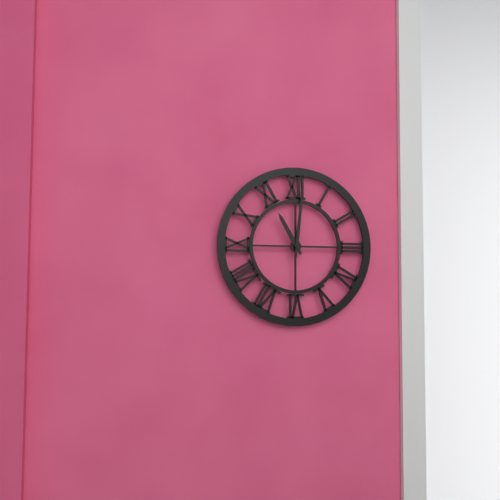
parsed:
11,01
